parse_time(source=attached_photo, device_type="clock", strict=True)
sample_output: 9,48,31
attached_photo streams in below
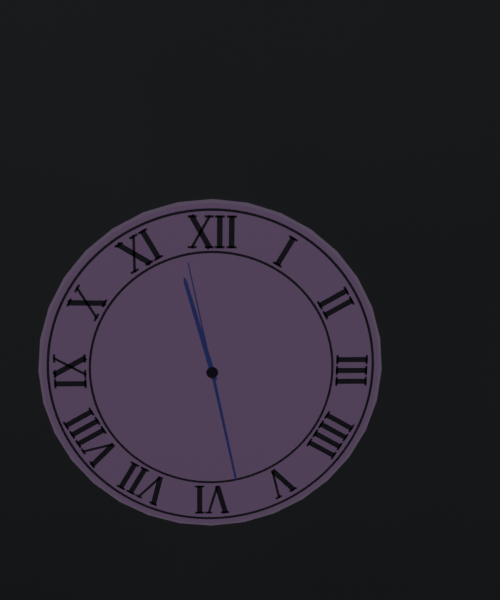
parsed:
11,28,58
